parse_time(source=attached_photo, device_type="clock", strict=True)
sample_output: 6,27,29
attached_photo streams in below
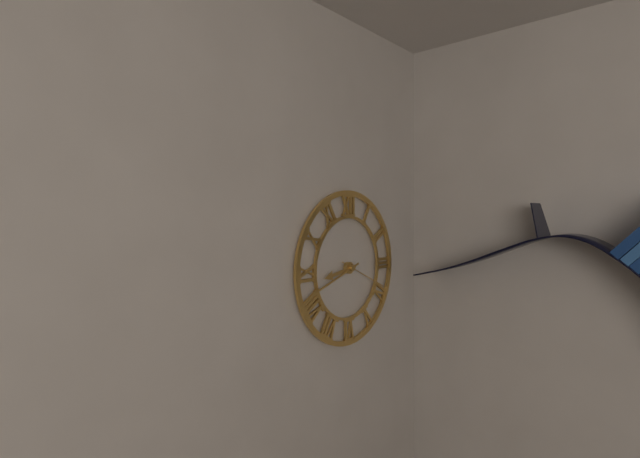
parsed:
8,42,19
